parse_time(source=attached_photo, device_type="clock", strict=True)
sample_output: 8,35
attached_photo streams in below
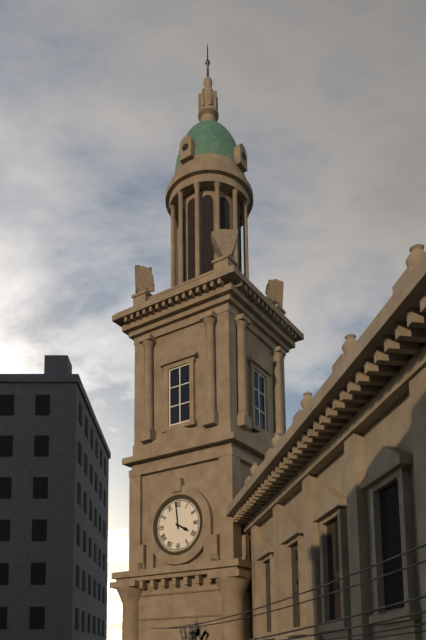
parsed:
3,59
